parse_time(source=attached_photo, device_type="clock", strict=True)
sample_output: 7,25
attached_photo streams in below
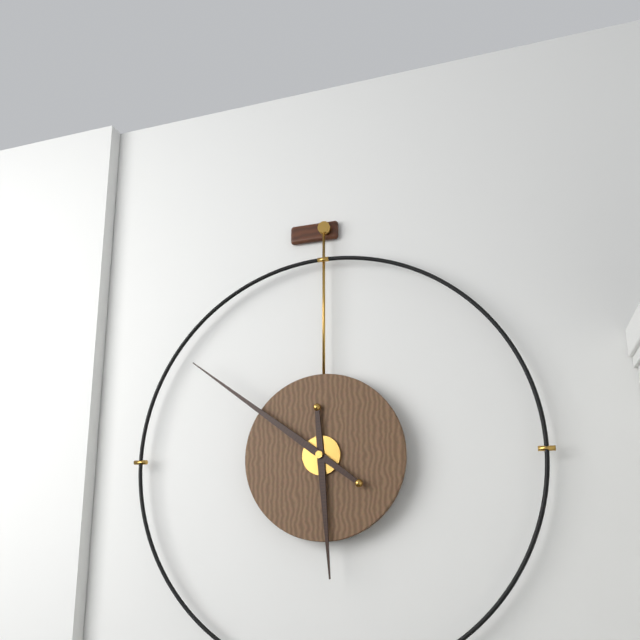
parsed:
5,51
